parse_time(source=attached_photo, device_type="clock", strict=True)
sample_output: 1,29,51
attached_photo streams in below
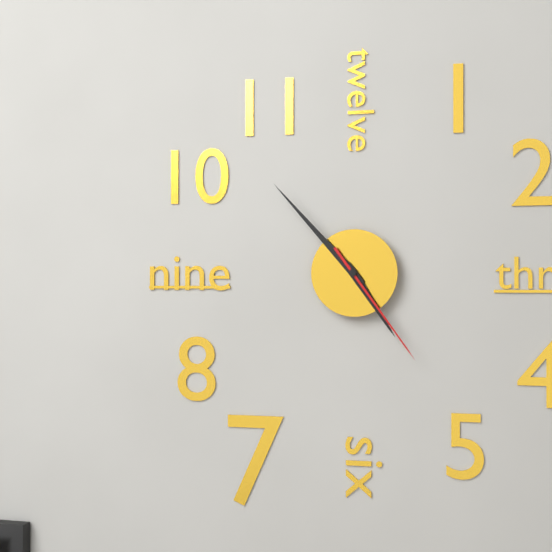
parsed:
4,53,24
